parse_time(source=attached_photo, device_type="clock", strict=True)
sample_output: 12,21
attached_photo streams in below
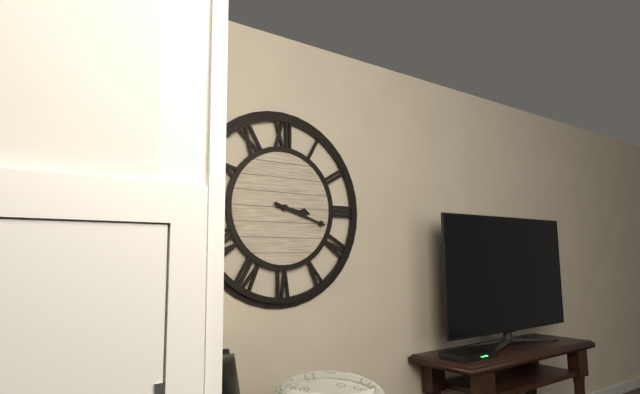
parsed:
3,18
